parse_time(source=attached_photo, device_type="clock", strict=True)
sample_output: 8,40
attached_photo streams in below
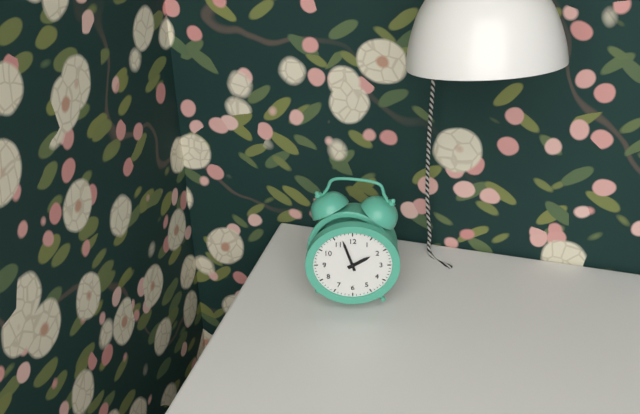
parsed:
1,57
